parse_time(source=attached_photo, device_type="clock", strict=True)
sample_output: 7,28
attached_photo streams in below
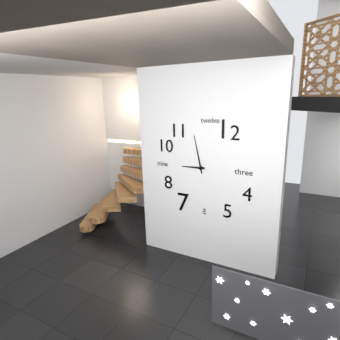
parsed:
8,58
